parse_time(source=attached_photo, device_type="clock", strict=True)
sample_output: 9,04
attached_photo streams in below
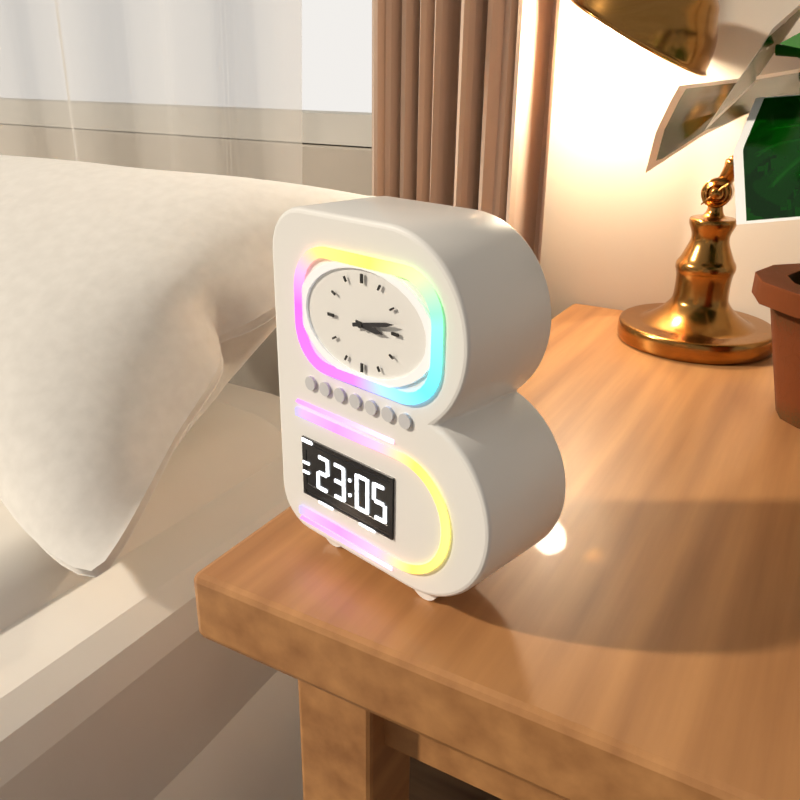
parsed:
3,13
